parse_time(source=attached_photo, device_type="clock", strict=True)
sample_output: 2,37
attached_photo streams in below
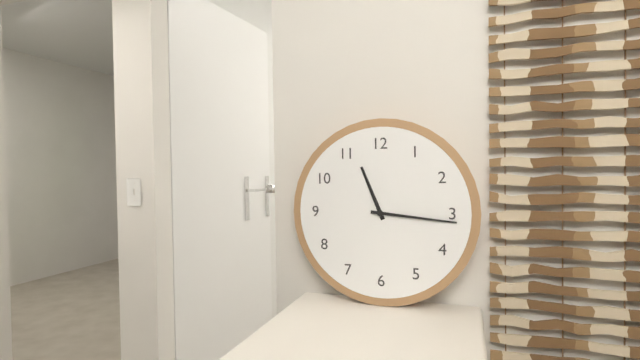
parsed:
11,16
